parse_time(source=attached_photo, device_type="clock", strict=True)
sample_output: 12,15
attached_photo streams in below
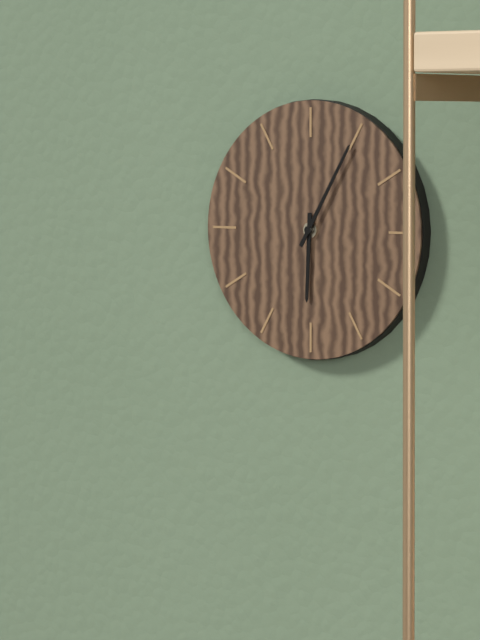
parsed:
6,05
